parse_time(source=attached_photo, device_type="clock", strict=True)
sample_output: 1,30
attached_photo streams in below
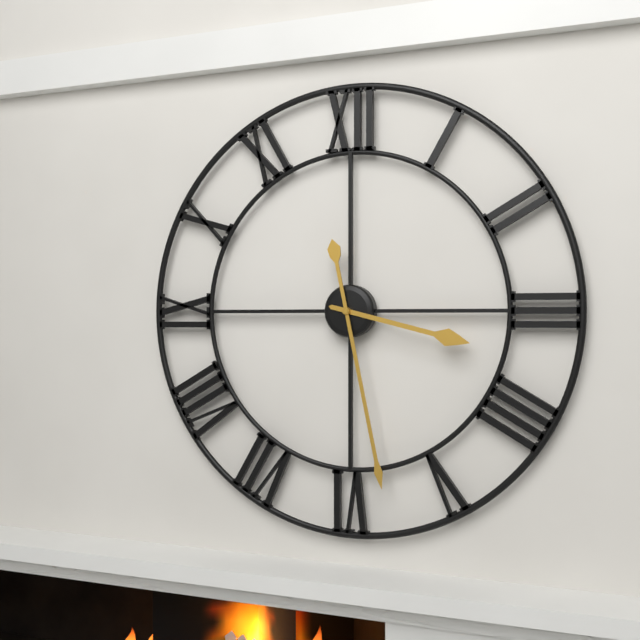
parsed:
3,28
